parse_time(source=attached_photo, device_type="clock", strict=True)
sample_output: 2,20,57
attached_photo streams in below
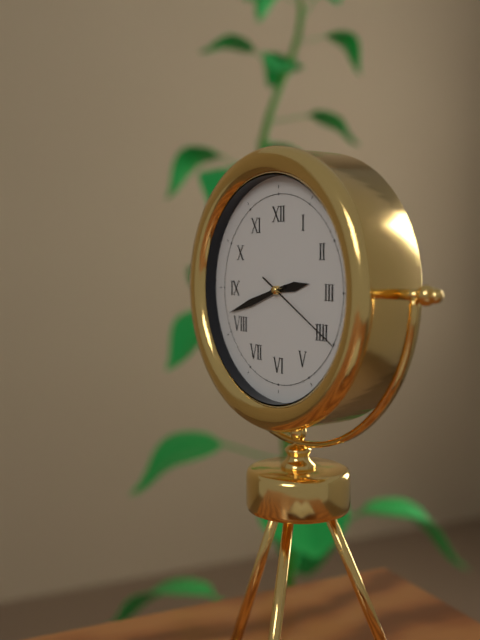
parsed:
2,42,20
